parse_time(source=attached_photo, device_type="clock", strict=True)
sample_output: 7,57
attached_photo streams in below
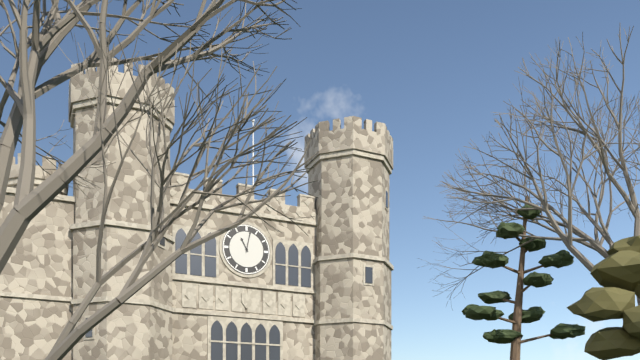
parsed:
11,02
